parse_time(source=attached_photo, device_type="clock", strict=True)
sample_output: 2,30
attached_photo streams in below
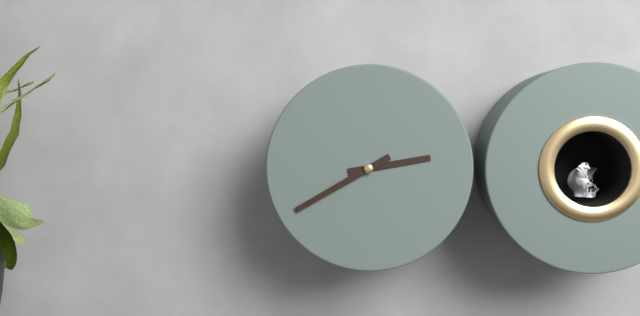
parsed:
2,40
